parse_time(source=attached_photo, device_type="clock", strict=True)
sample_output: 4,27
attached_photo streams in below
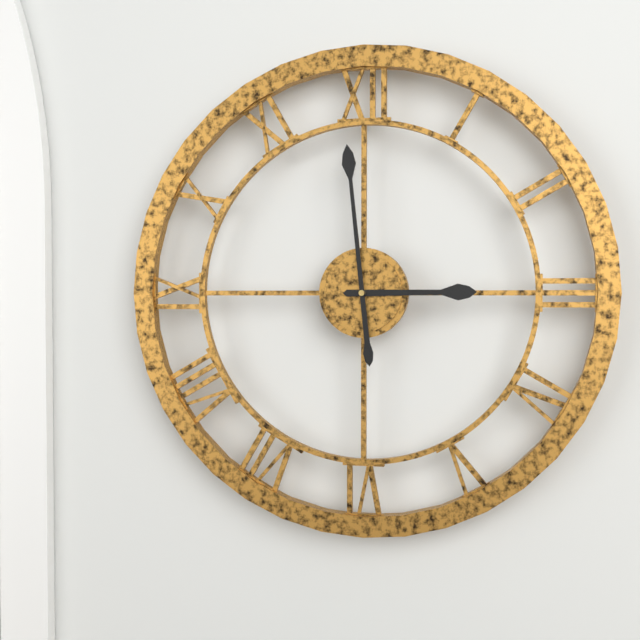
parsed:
2,59
